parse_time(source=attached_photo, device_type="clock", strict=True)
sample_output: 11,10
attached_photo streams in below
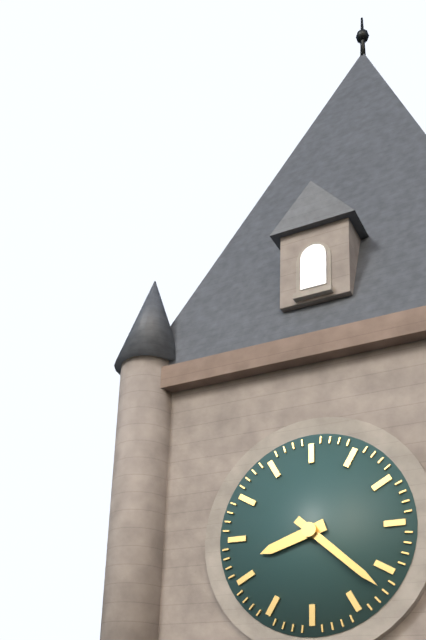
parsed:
8,22
